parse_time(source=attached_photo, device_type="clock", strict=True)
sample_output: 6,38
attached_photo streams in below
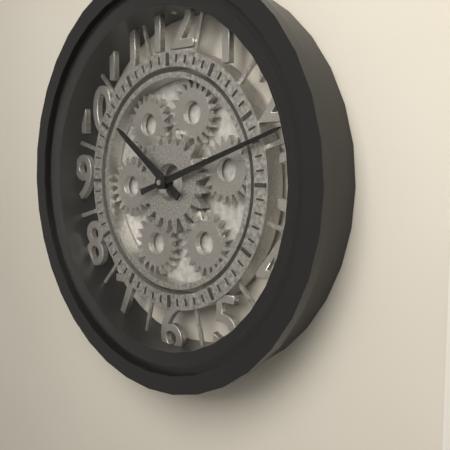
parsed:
10,12
